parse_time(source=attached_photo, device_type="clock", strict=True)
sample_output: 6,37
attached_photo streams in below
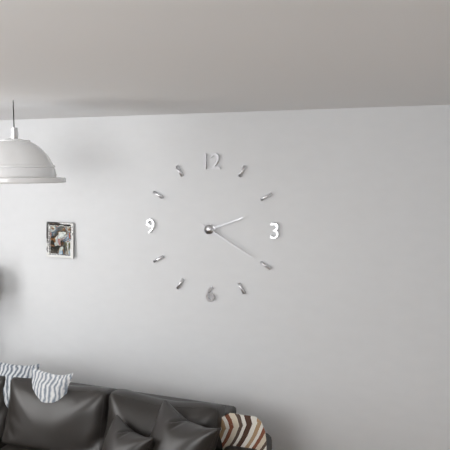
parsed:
2,20
